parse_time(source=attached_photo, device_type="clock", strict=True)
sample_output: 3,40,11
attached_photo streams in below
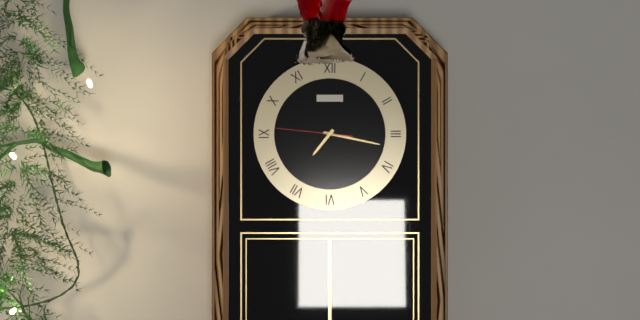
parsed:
7,17,46
